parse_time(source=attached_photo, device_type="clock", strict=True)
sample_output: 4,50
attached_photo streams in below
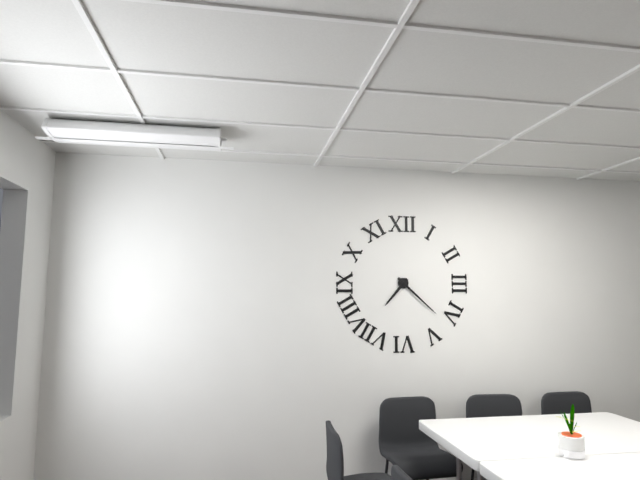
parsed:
7,22
